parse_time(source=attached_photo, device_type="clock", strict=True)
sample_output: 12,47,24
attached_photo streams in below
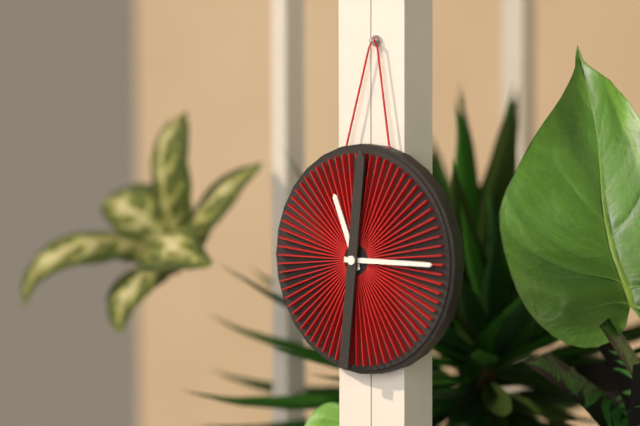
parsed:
11,15,01
